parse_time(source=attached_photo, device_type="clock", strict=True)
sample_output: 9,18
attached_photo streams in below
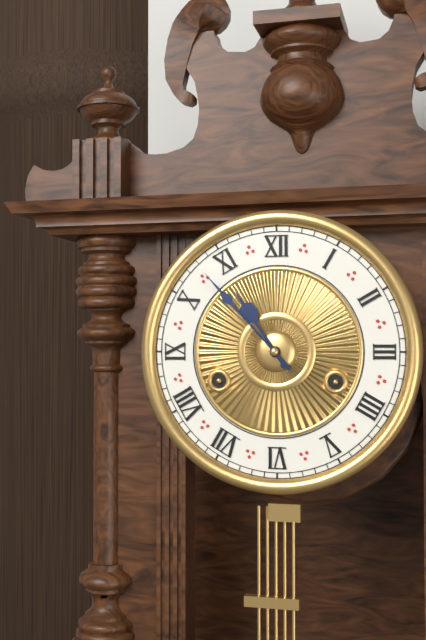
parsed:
10,53
